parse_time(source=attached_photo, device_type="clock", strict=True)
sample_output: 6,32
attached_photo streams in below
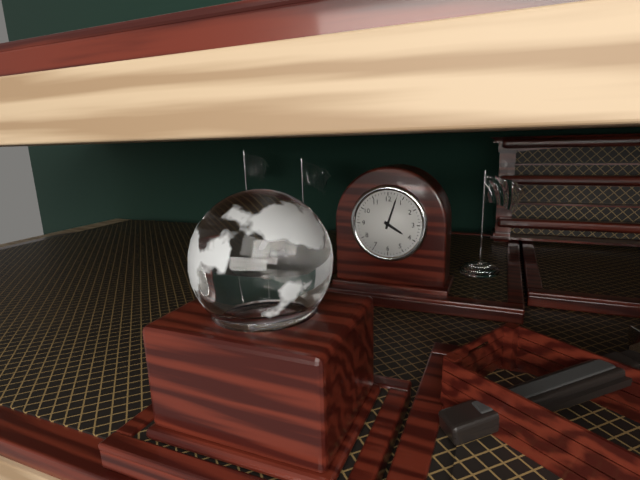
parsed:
4,03
